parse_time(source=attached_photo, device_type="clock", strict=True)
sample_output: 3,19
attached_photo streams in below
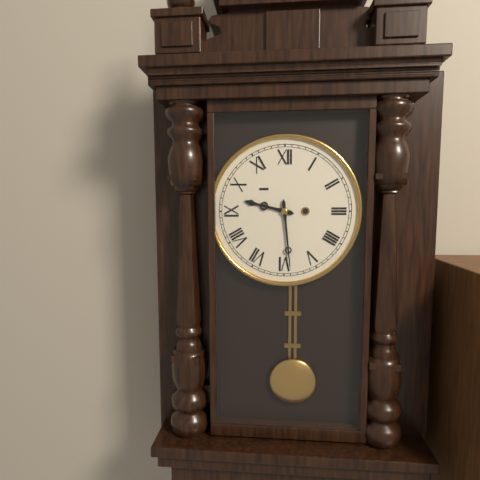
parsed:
9,29
